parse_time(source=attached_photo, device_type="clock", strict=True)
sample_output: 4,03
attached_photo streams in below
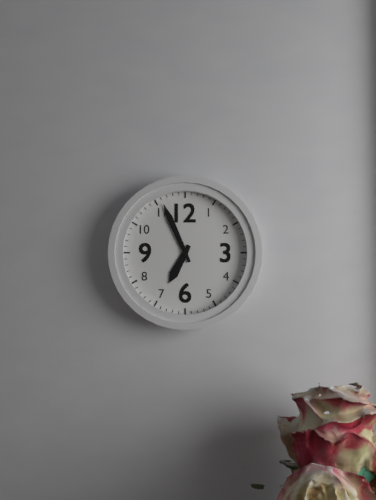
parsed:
6,56
